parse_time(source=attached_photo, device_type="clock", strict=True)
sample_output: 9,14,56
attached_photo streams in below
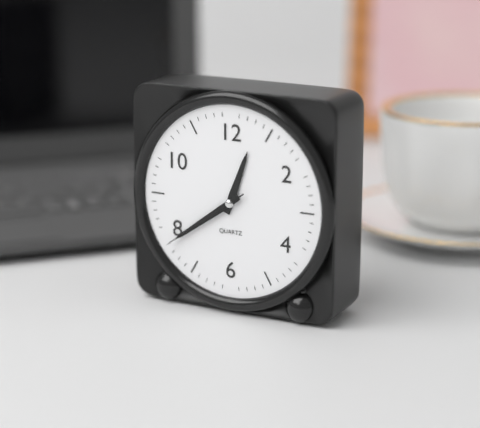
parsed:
12,39,39
